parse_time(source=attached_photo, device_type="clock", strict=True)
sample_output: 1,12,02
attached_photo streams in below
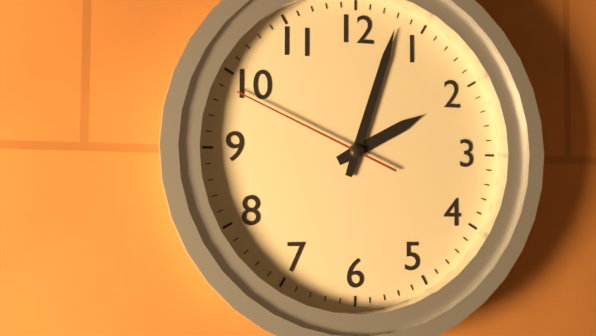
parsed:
2,03,49
